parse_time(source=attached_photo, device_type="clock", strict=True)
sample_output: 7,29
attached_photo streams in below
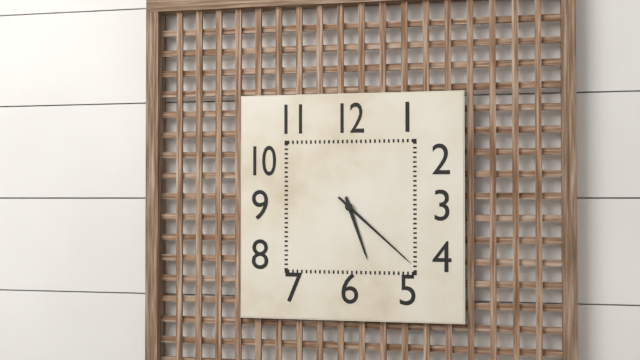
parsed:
5,22
